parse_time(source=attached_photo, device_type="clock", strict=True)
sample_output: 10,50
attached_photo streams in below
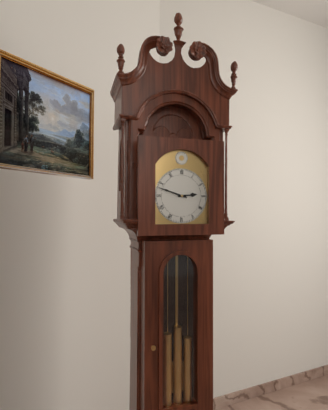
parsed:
2,48
